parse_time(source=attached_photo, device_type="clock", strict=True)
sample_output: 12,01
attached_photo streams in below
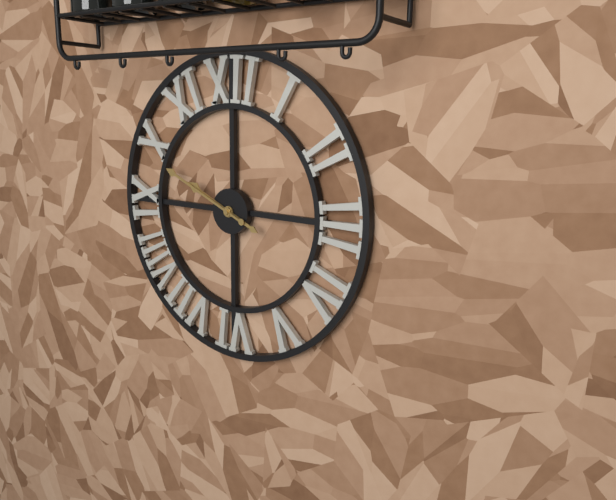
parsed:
9,49
